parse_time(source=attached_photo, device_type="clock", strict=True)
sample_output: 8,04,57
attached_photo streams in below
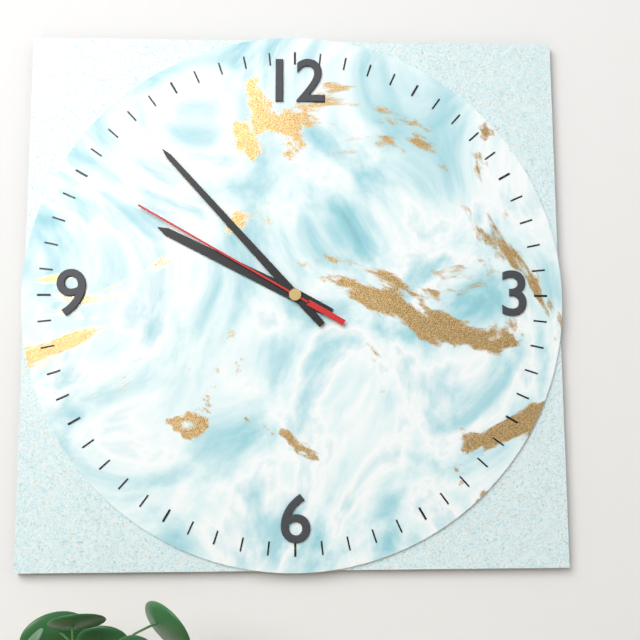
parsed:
9,53,50
